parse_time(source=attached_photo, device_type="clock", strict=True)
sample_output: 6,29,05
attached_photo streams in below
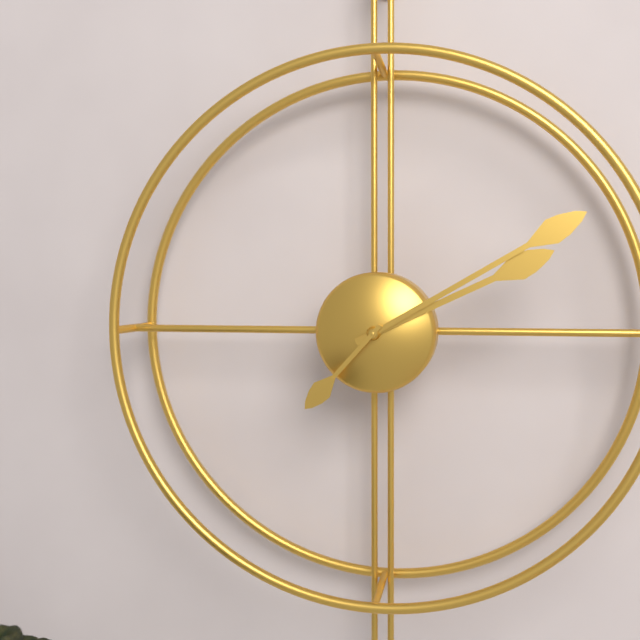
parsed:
2,10,37
